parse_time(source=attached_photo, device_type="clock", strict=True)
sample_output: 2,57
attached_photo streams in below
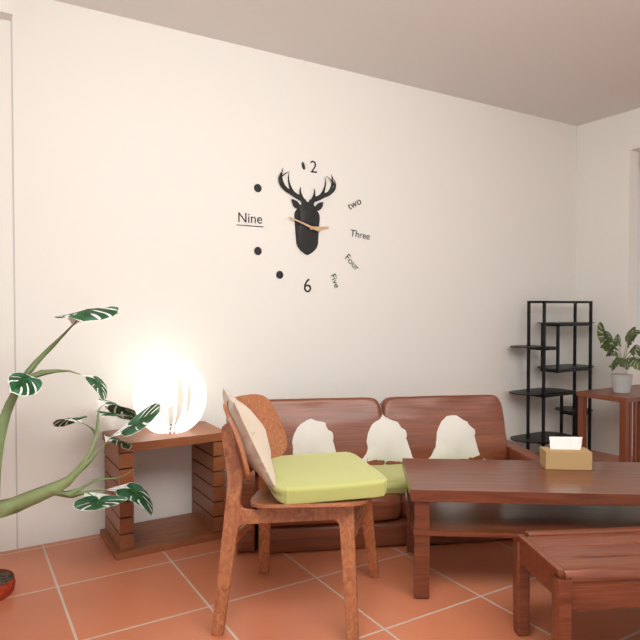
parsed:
2,48
